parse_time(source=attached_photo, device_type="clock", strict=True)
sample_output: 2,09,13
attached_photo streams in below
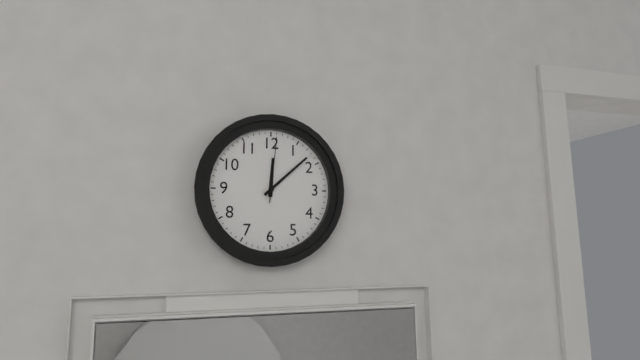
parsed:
12,08,01
